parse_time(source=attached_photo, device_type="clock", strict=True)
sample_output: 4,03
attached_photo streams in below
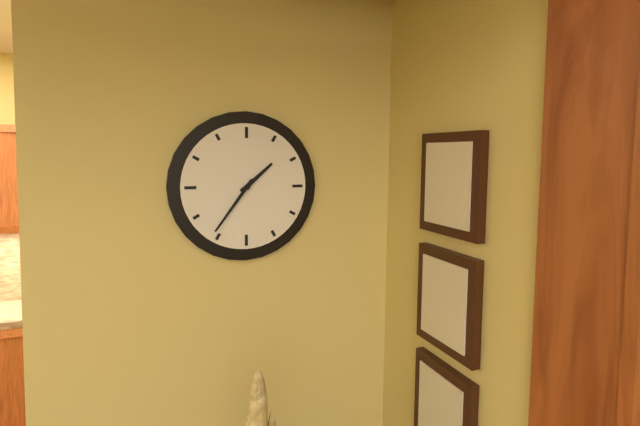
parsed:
1,36
